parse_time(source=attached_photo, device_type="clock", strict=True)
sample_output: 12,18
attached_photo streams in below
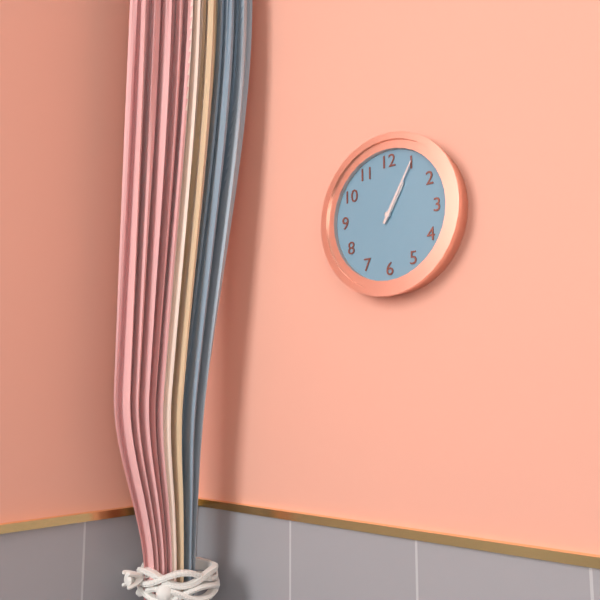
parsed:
1,05
